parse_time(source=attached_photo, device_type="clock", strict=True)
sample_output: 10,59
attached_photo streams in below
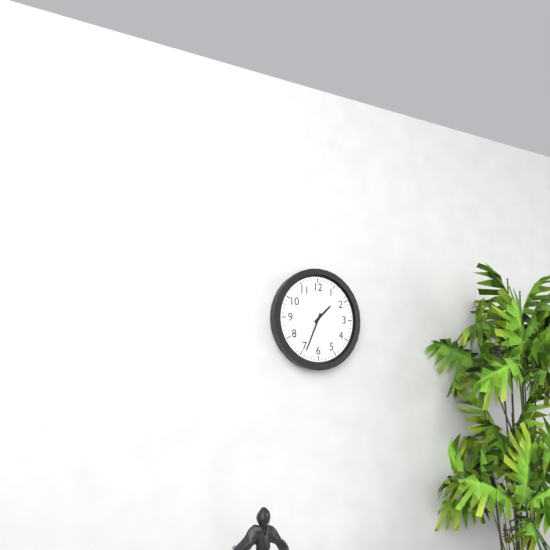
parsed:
1,34
